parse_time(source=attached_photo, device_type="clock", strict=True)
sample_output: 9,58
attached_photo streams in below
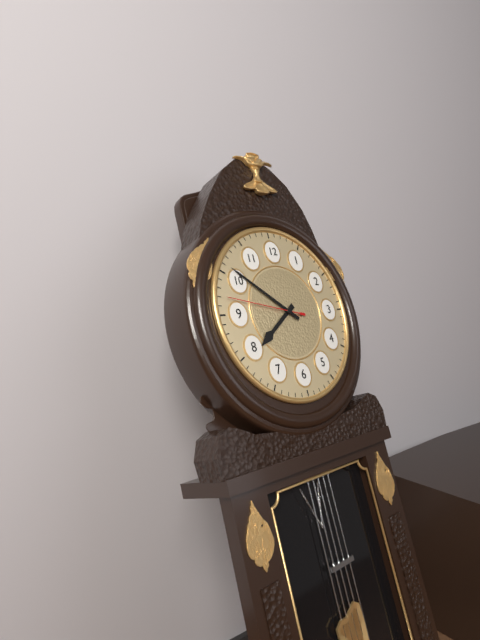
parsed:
7,51
